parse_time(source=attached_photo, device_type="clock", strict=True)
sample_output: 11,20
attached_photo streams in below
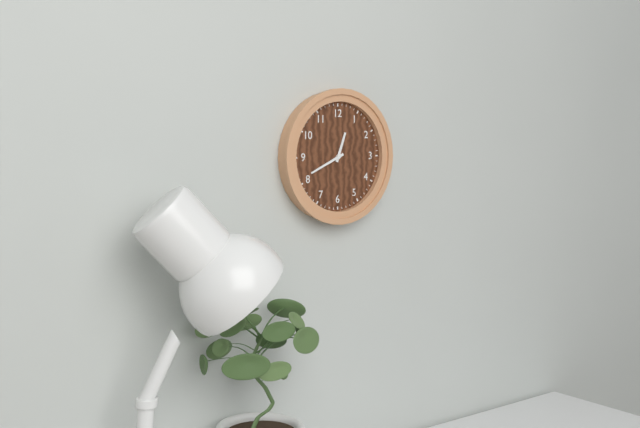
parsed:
12,41
